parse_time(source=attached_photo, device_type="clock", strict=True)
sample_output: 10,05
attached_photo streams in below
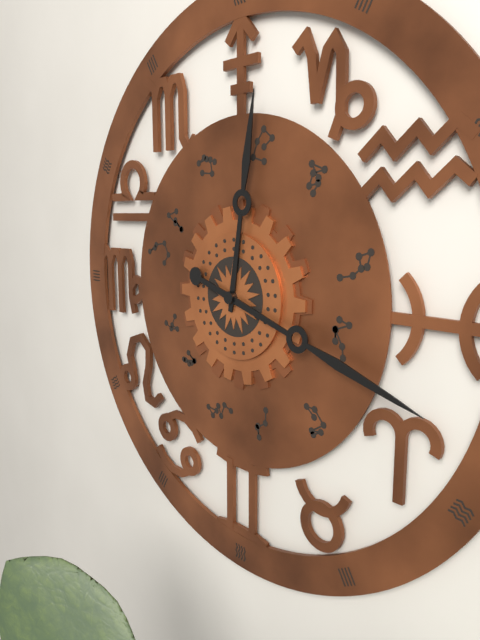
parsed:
12,18
